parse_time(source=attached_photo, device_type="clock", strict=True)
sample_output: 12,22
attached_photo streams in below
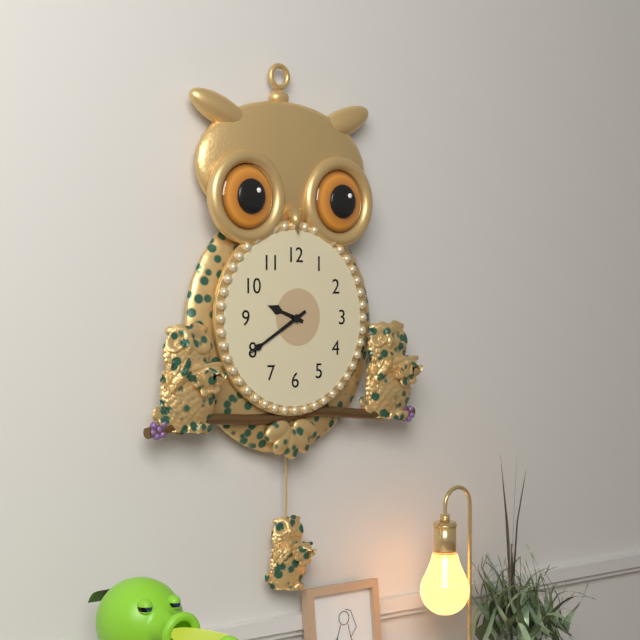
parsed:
9,40
